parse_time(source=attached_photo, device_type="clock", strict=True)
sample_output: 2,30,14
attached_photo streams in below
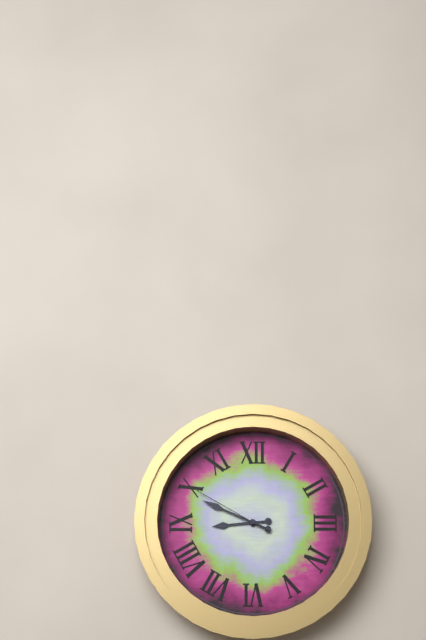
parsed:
8,49,50
